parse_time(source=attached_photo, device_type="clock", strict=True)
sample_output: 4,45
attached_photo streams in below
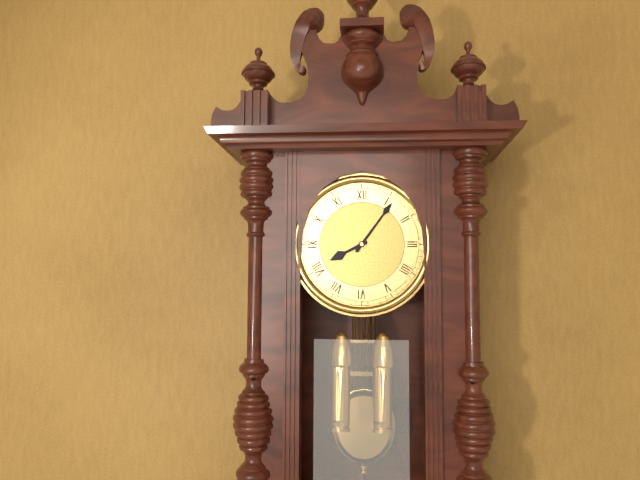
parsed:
8,06
